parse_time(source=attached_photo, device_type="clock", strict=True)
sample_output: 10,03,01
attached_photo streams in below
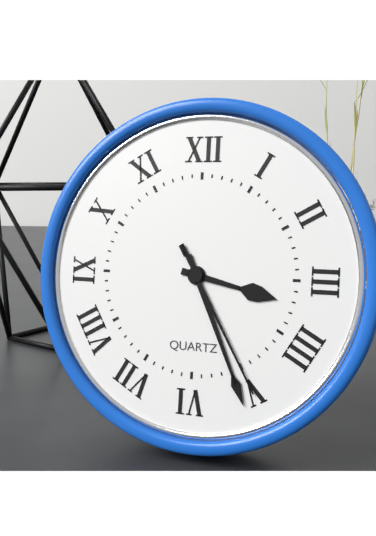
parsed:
3,26,25
